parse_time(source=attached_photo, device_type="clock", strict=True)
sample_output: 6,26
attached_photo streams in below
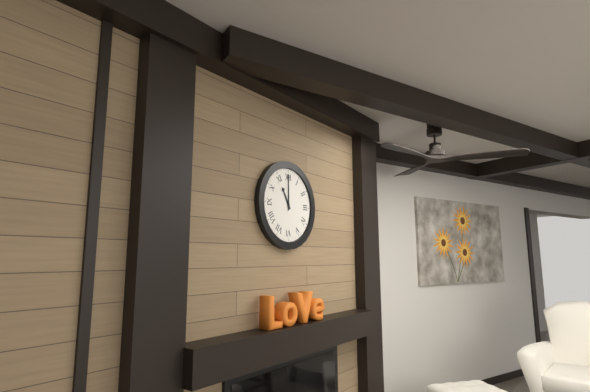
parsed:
11,00
